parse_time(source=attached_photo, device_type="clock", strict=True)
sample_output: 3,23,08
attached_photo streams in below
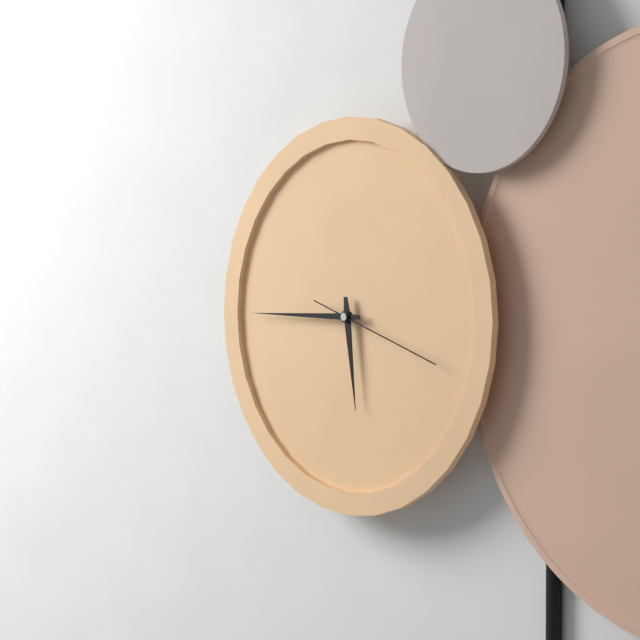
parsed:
5,45,18
